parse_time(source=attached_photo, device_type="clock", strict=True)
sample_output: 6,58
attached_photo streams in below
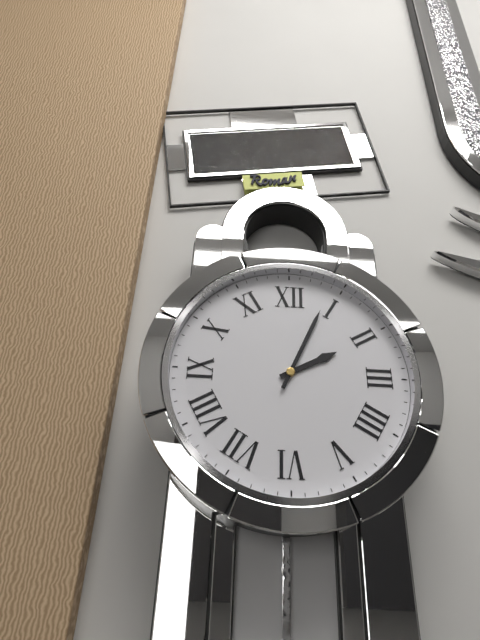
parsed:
2,04
